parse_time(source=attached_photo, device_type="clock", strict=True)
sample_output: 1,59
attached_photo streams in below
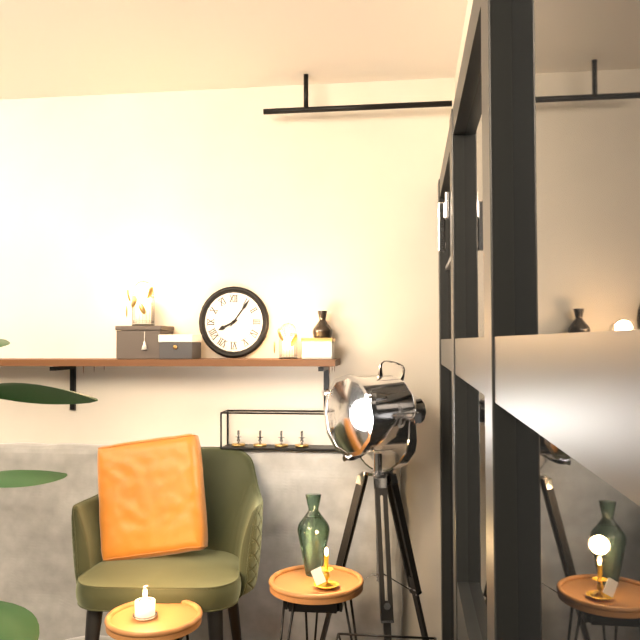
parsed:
8,06
